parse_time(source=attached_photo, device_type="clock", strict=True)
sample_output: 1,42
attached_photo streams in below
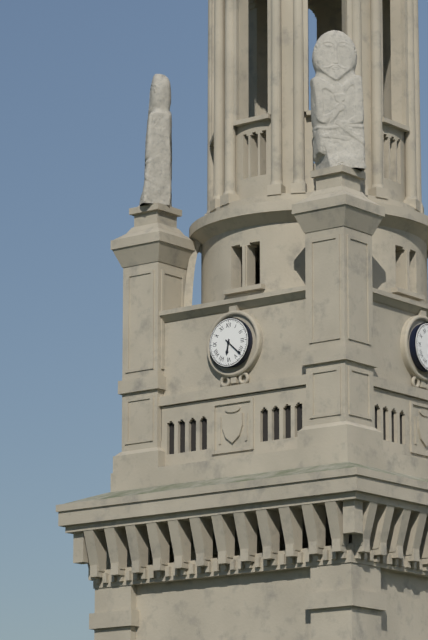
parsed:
6,22
